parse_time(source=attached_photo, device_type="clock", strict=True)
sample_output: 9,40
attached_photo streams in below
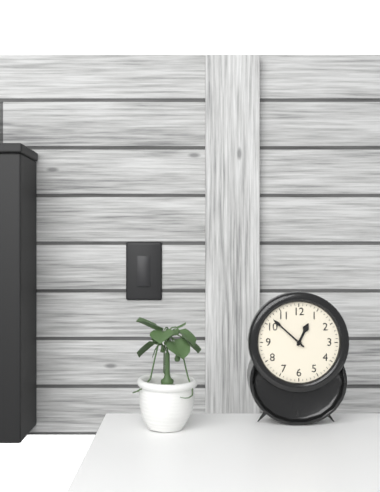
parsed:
12,52
